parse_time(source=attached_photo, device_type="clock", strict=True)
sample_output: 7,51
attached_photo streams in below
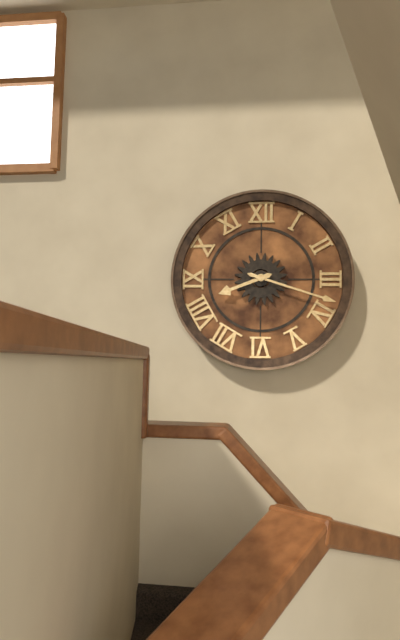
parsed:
8,18
